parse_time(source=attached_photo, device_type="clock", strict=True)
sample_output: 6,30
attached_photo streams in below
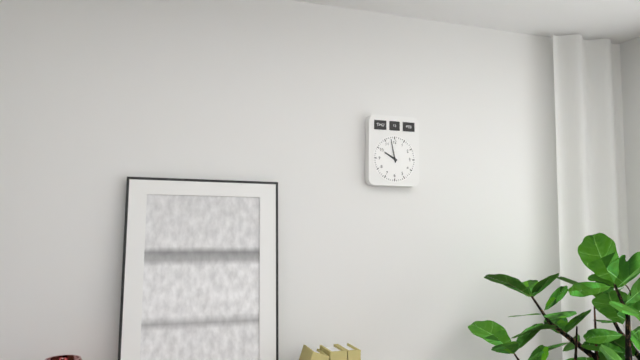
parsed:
9,58
